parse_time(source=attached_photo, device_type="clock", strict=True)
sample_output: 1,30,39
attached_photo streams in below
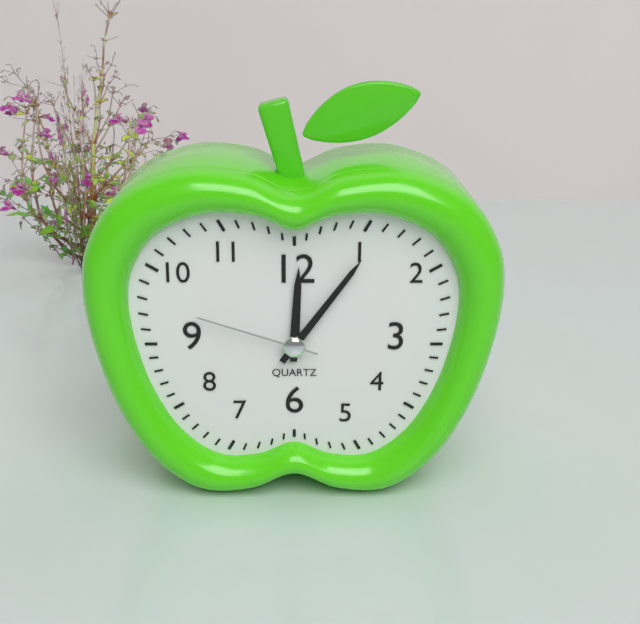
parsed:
12,06,48
